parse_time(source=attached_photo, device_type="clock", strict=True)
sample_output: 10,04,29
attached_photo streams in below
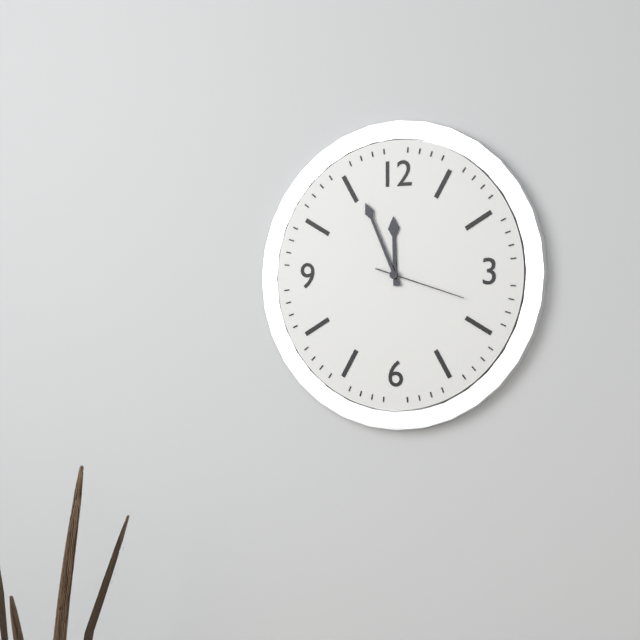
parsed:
11,56,18
